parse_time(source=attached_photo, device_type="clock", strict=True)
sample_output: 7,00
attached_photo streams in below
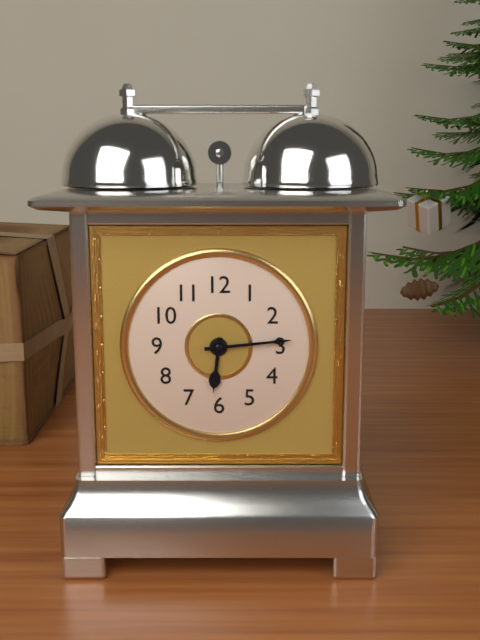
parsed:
6,14
